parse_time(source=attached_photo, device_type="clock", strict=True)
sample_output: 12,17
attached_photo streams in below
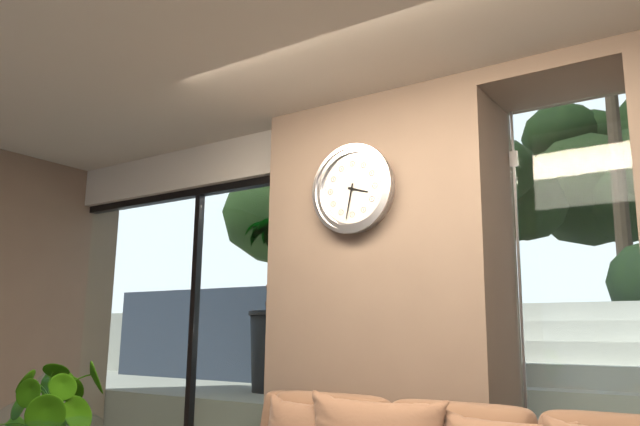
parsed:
3,32
